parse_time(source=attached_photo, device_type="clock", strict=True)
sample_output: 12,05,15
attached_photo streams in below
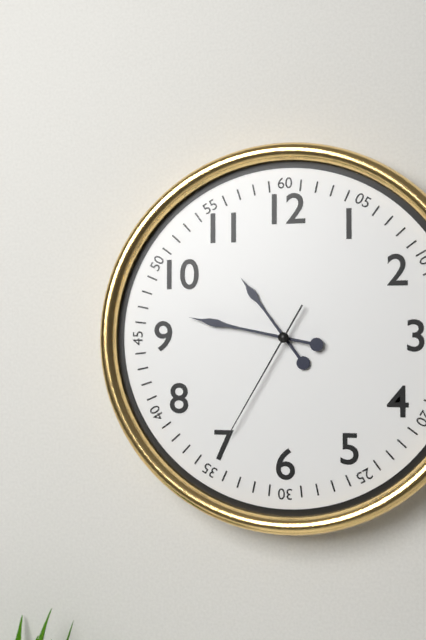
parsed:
10,47,35
